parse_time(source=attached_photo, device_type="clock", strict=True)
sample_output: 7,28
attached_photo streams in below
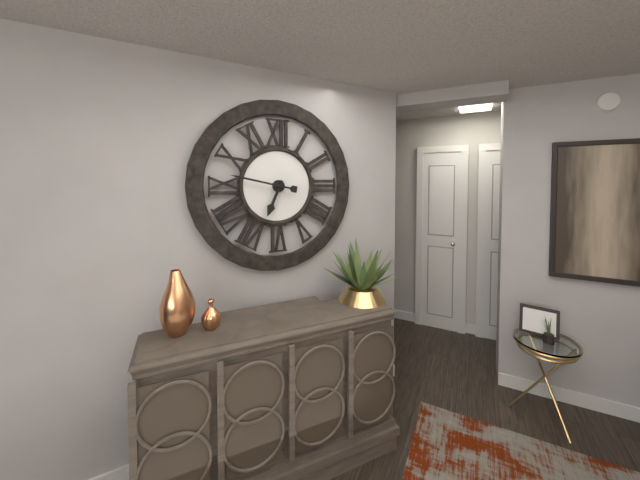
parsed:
6,47
